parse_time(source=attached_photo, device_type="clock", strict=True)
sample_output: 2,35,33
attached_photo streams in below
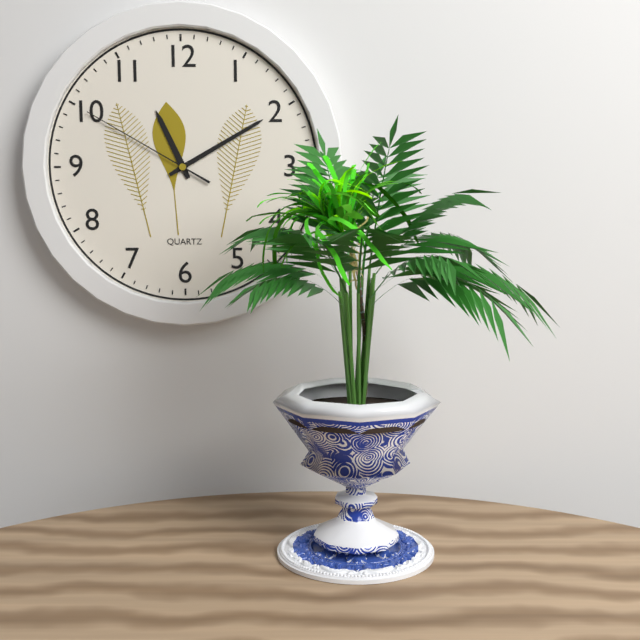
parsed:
11,10,50
